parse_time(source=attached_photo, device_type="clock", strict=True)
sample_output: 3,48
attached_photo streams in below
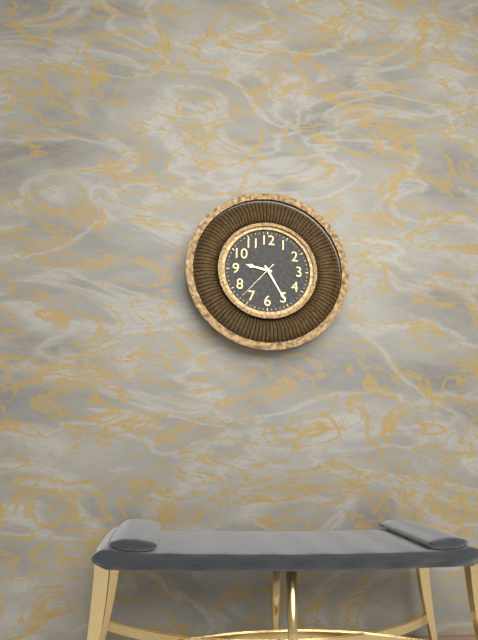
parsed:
9,25
